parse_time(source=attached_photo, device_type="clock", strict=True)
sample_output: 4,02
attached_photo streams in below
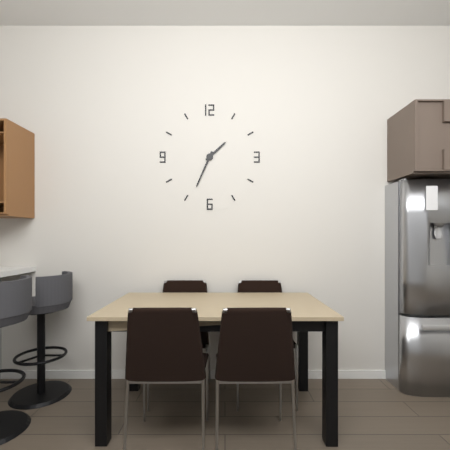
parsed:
1,34
